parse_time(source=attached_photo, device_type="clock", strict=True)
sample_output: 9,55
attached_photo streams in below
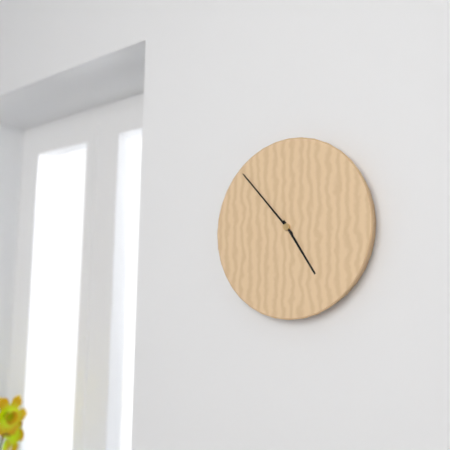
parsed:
4,53
